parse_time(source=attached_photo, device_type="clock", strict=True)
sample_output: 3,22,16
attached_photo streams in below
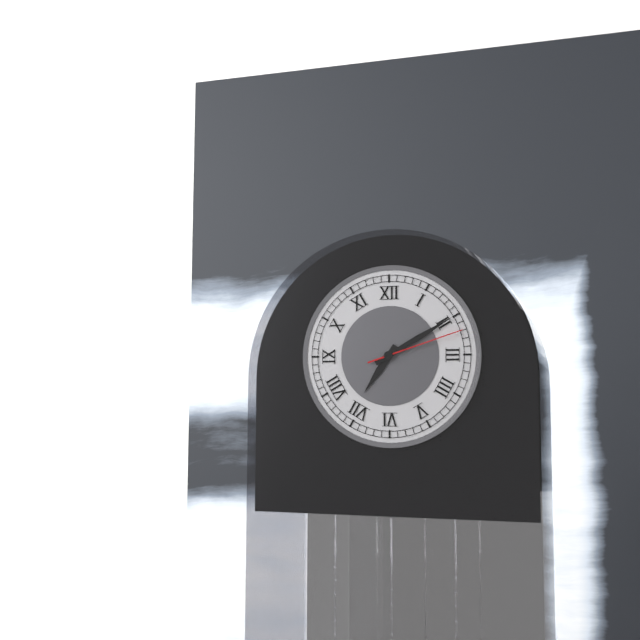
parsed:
7,10,12
